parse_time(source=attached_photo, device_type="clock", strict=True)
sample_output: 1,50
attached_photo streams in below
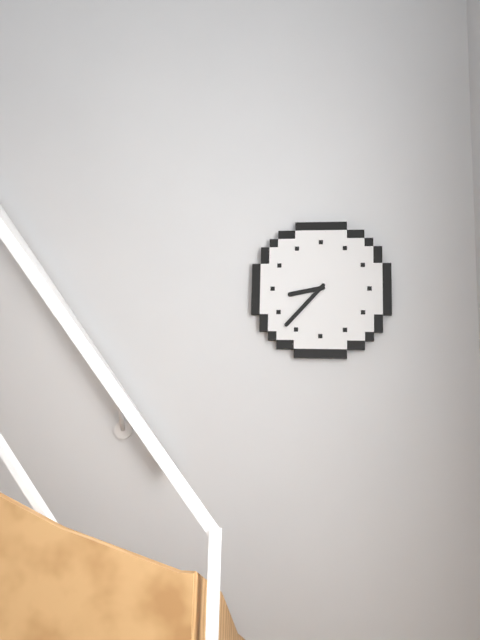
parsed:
8,37
